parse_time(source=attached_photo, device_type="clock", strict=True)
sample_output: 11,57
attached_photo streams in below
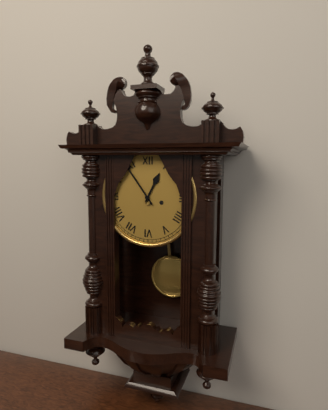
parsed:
12,54
